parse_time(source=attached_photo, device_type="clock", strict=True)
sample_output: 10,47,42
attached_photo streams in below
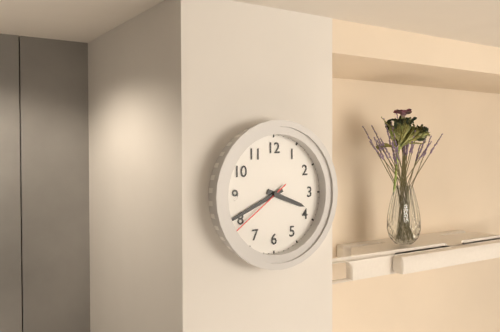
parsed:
3,41,39
